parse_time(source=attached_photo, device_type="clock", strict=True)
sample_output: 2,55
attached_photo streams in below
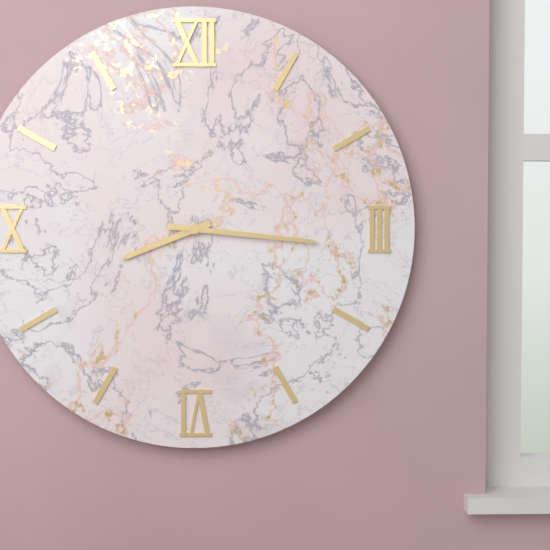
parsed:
8,16
